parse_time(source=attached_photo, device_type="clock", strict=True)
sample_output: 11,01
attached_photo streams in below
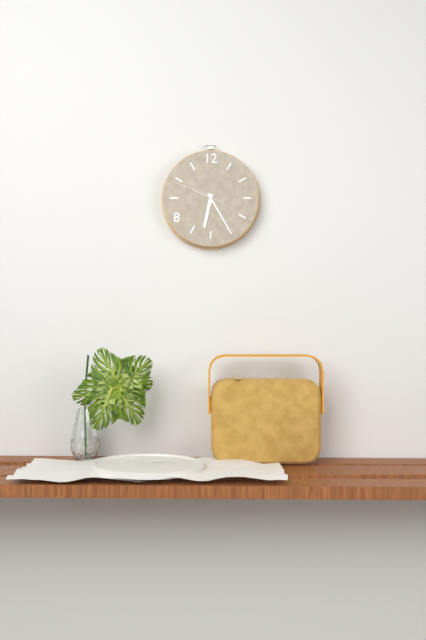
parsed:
6,25
